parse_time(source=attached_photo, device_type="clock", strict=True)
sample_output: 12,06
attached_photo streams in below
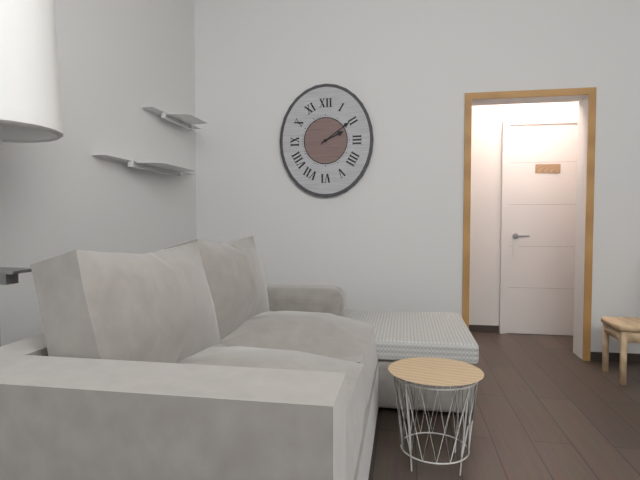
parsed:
2,09
